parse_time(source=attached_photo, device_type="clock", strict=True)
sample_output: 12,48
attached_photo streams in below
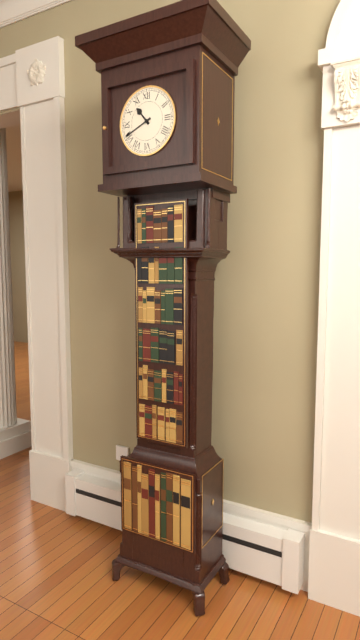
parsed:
10,41
